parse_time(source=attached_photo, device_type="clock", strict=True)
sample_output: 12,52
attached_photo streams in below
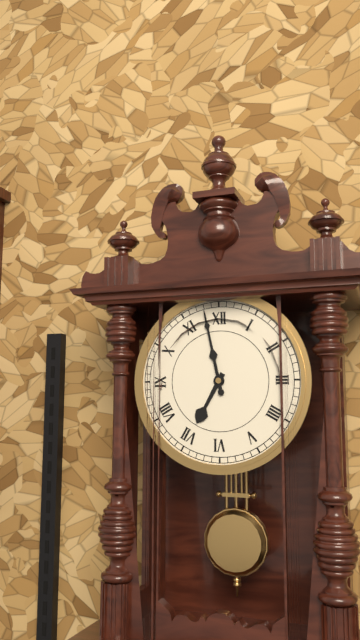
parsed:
6,58
